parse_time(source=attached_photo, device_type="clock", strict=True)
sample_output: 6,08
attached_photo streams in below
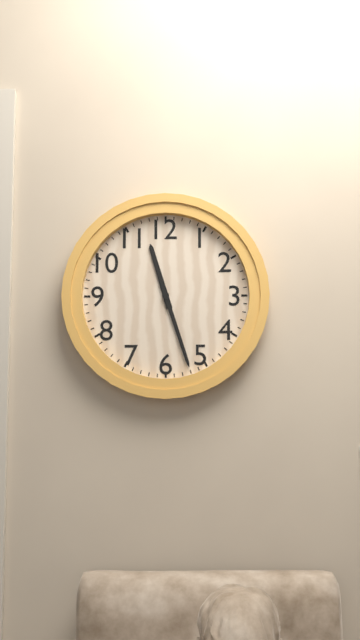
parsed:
11,27
